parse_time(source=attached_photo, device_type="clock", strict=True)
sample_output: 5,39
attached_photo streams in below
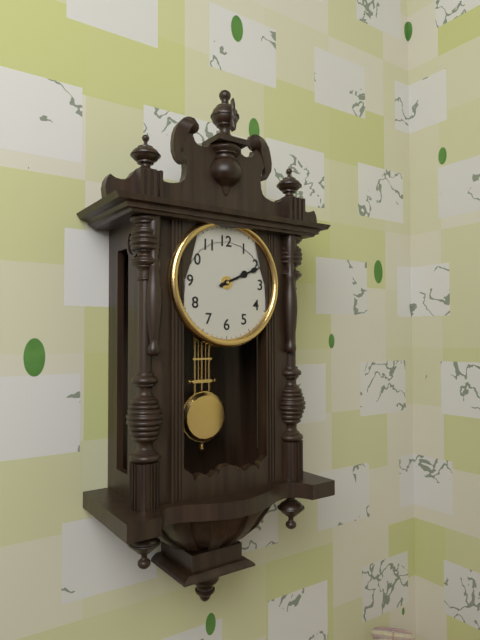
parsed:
2,11
